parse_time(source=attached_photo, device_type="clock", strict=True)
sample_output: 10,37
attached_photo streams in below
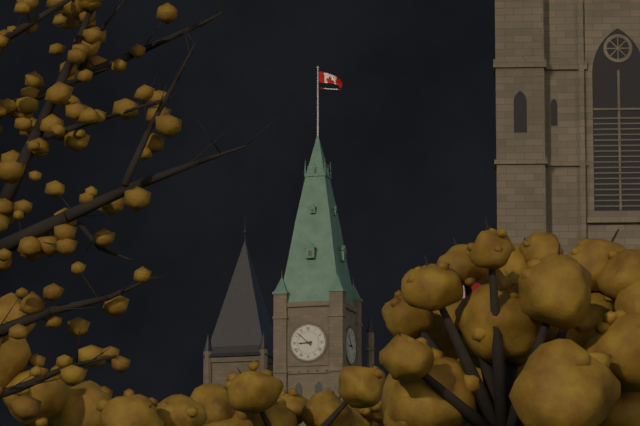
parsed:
8,52
